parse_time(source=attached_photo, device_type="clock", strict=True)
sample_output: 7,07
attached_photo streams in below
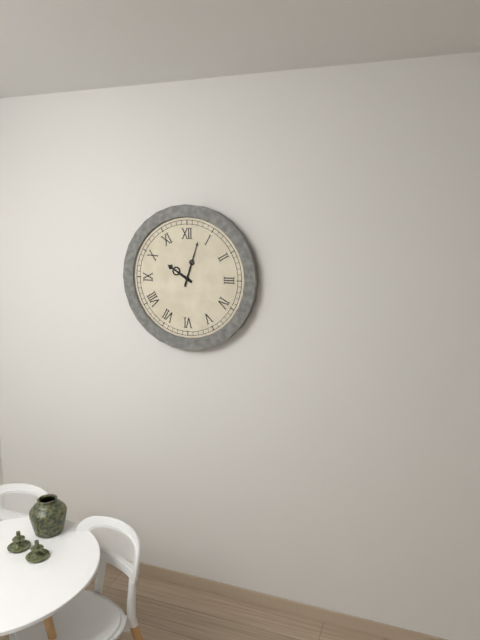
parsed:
10,03
